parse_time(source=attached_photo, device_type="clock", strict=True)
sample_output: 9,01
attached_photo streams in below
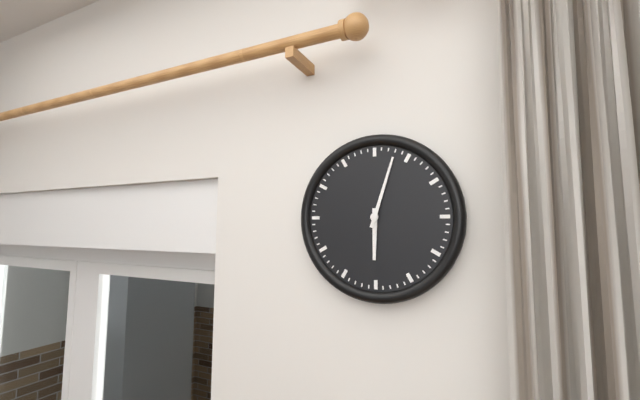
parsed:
6,03
